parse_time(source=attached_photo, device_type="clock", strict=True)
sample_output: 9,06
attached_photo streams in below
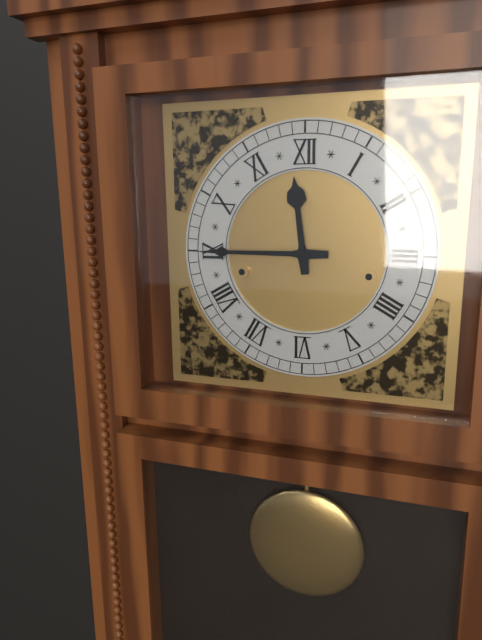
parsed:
11,45
